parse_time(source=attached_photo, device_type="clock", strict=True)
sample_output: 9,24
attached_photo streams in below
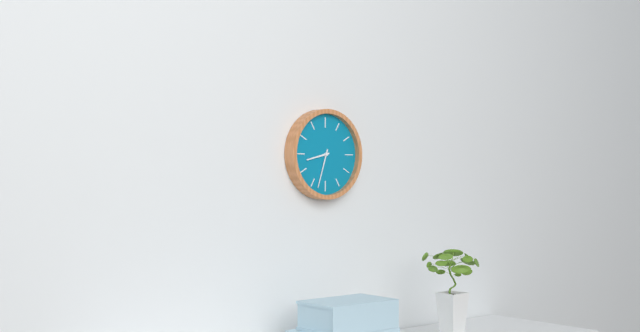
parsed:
8,33
